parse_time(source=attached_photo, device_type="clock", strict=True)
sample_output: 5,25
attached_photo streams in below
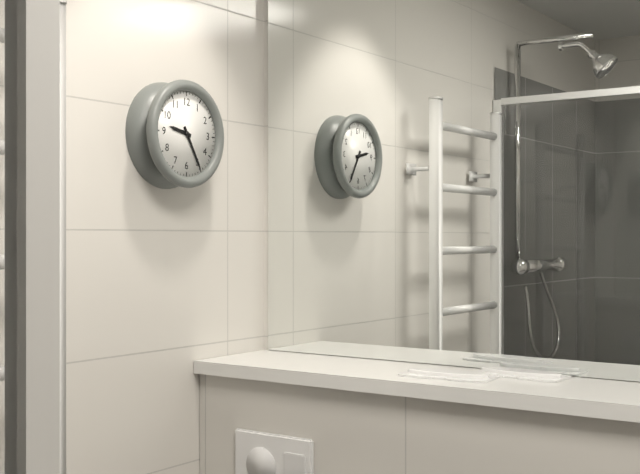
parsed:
9,25
